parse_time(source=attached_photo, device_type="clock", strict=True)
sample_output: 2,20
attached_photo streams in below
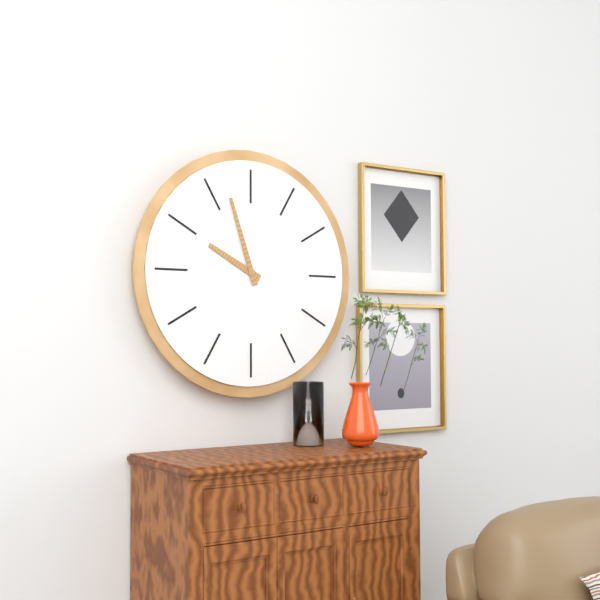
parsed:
9,57
